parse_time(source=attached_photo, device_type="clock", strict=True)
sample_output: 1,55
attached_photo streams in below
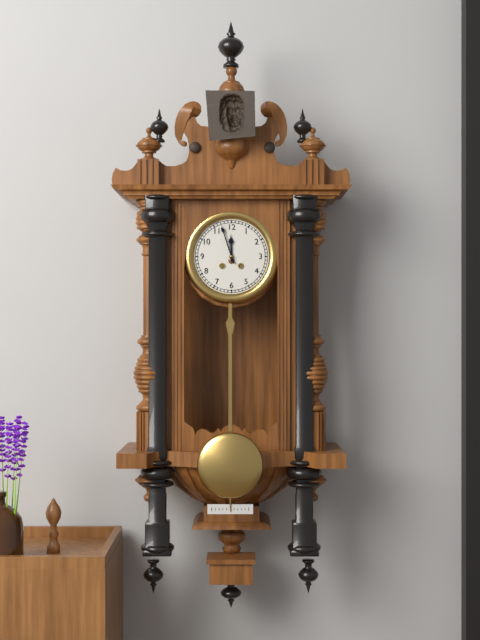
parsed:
11,57
